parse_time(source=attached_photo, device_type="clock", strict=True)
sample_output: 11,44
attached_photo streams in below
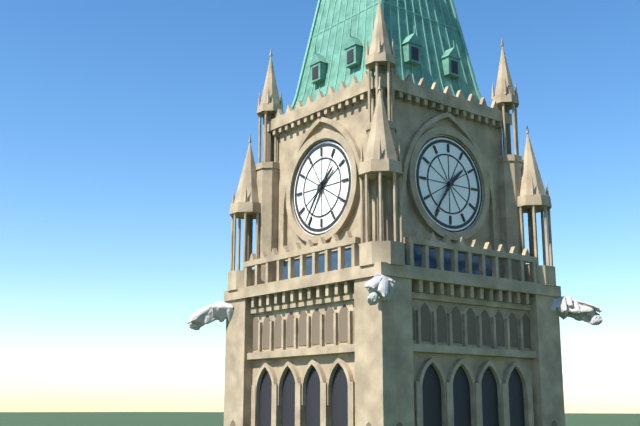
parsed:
1,36
